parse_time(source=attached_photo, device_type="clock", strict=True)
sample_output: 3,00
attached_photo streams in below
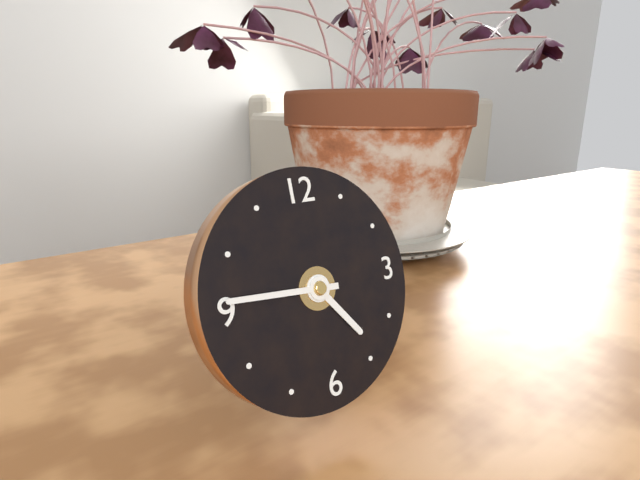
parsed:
4,46
